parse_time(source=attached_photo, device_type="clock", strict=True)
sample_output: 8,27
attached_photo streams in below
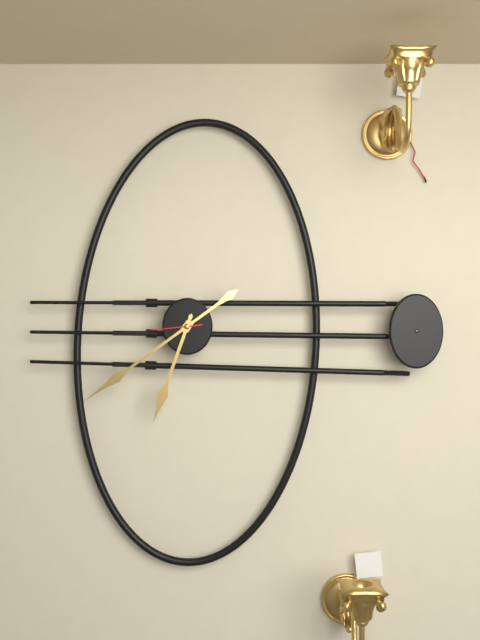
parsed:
6,39
